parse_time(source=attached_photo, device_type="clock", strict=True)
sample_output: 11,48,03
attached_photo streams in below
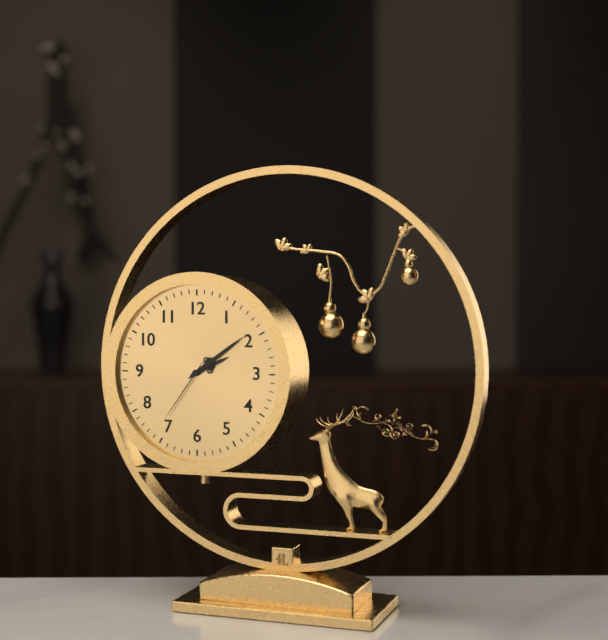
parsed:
2,09,36
